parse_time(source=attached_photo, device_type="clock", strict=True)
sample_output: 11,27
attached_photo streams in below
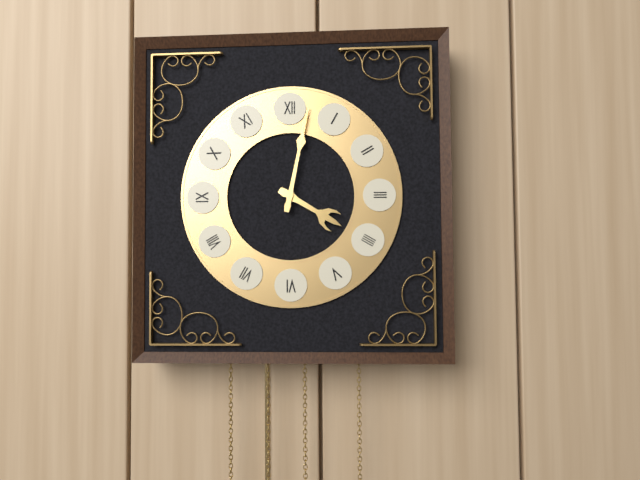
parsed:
4,02
